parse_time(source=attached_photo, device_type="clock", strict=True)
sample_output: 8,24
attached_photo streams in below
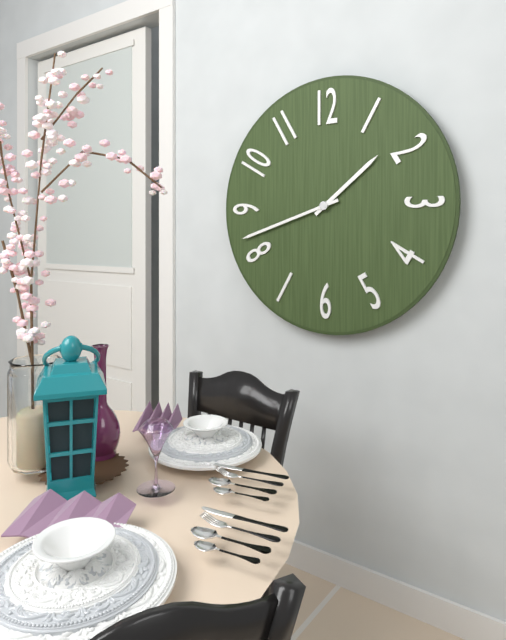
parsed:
1,42
